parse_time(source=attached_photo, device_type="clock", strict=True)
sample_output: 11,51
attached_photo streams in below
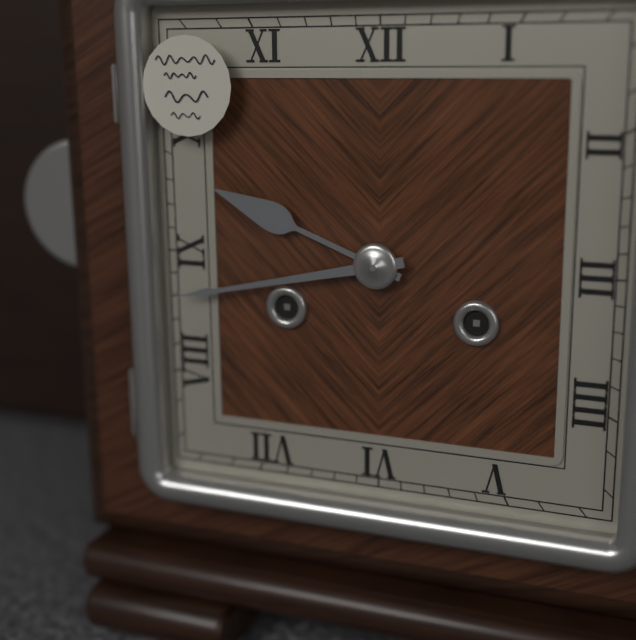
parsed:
9,43
